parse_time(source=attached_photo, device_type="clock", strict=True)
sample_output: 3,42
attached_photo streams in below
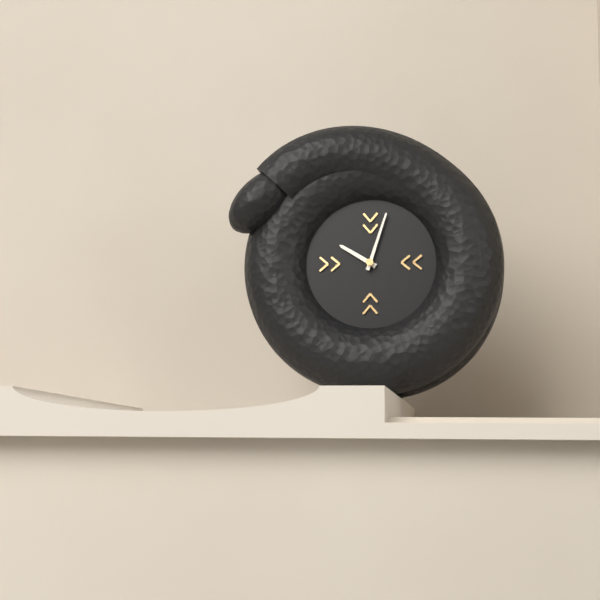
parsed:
10,03
